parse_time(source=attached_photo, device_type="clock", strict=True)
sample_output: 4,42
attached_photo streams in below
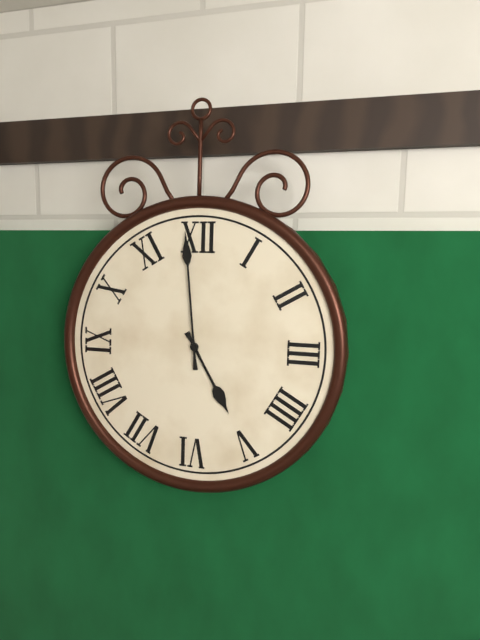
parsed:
4,59
